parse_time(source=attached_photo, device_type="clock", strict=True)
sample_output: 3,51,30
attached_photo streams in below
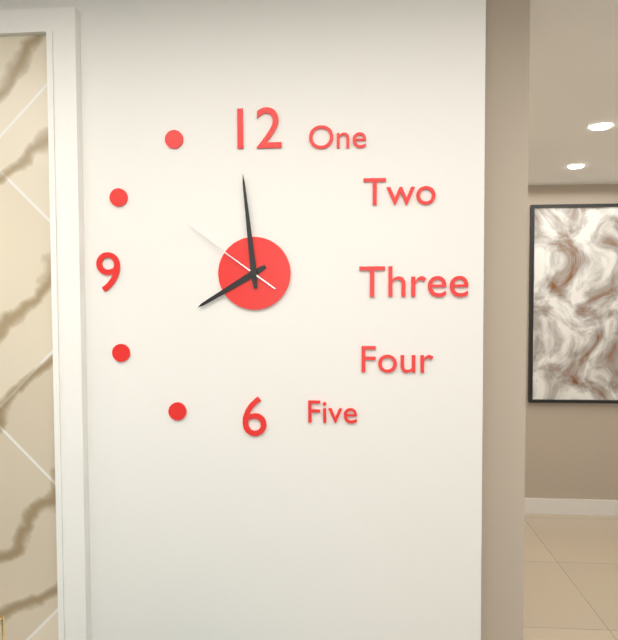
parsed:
7,59,51
